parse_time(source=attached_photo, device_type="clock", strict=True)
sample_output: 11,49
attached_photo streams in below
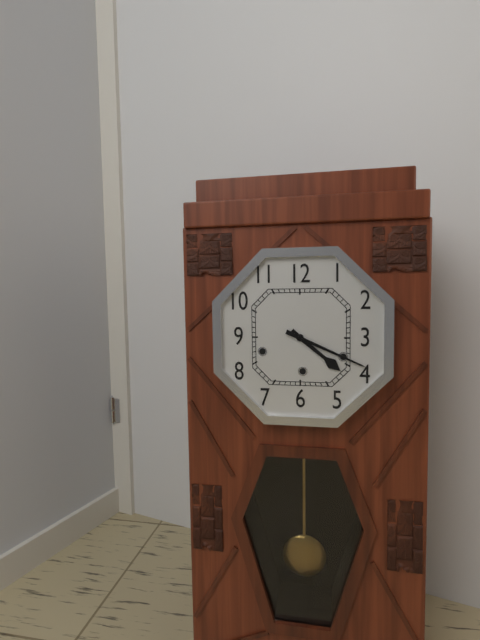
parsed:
4,19
